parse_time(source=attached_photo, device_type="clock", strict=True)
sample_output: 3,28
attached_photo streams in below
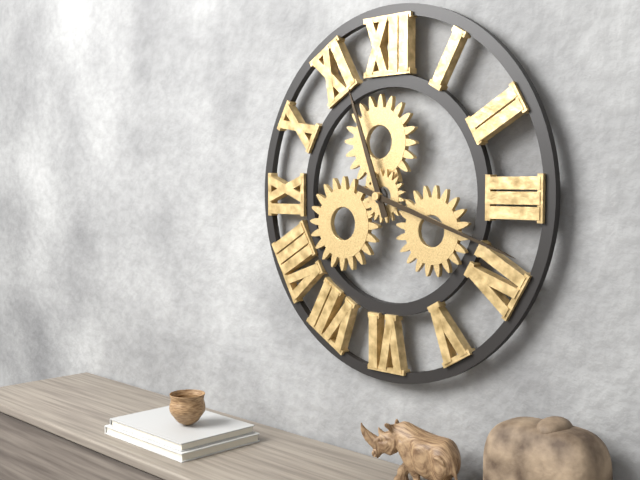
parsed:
11,18
